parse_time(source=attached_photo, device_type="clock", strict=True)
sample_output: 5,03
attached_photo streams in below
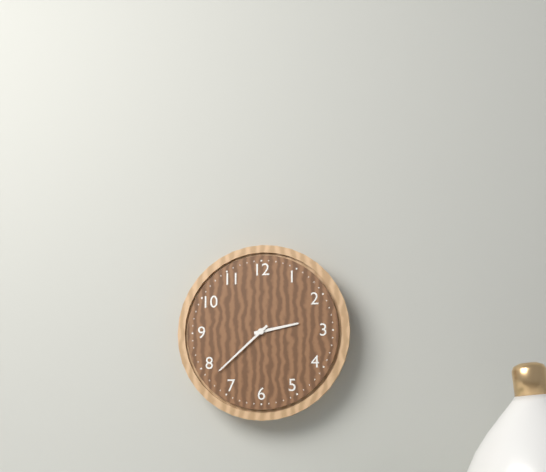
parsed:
2,38
